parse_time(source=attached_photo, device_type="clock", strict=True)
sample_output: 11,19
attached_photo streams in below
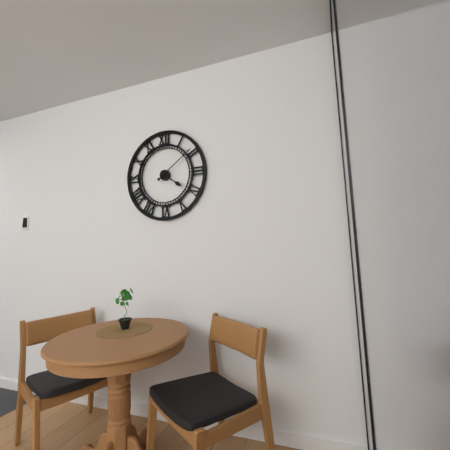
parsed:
4,09
